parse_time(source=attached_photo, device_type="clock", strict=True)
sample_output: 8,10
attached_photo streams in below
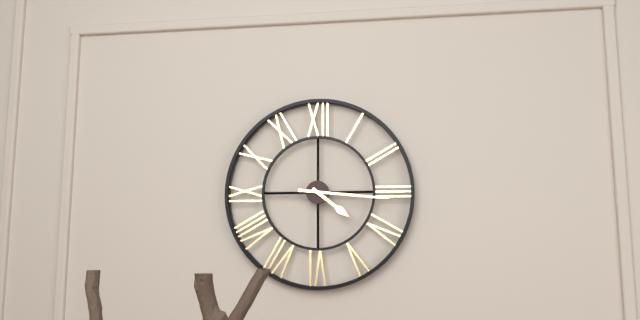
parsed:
4,16
